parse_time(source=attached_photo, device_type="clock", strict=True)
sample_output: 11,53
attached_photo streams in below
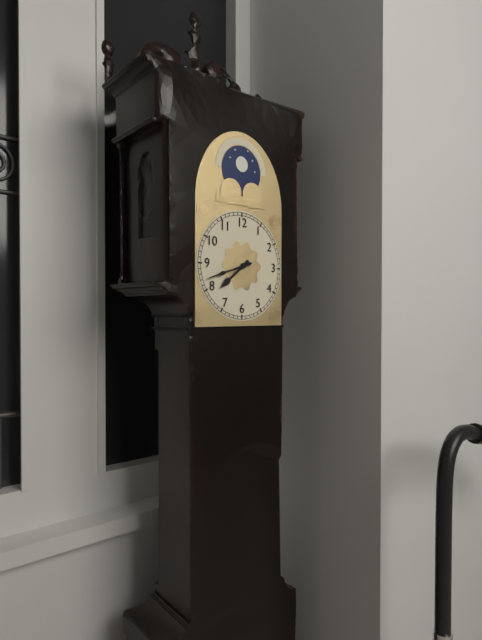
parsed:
7,42
